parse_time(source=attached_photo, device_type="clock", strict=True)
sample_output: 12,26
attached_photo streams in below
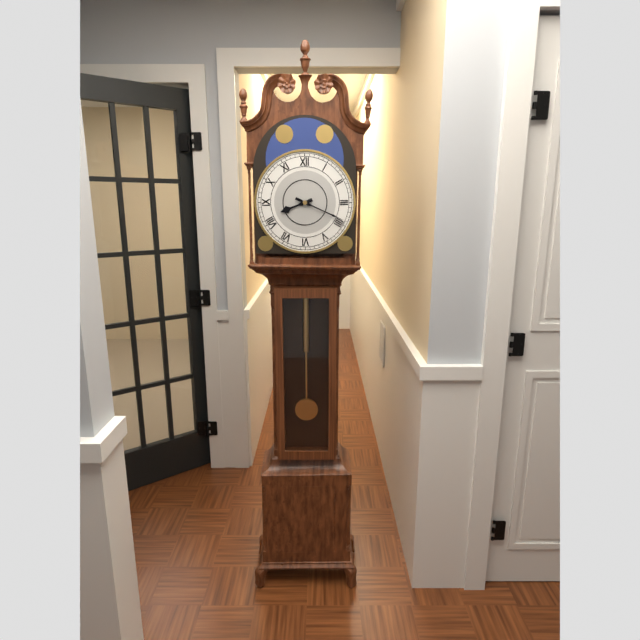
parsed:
8,19
